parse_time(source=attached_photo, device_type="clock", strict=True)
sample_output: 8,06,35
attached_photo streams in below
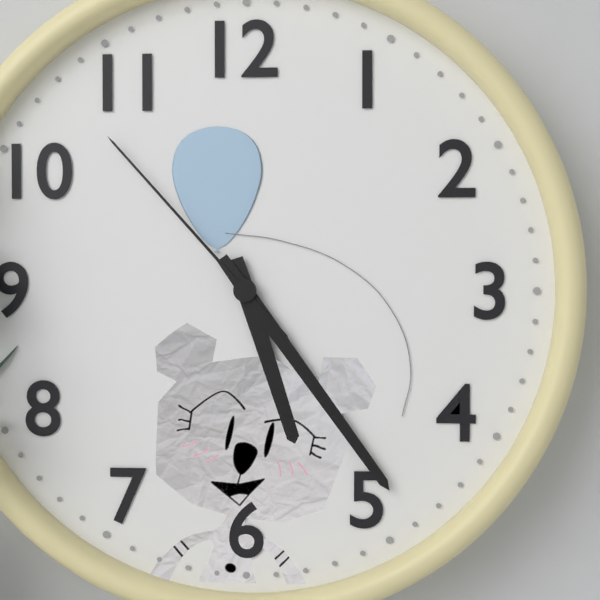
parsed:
5,24,53
